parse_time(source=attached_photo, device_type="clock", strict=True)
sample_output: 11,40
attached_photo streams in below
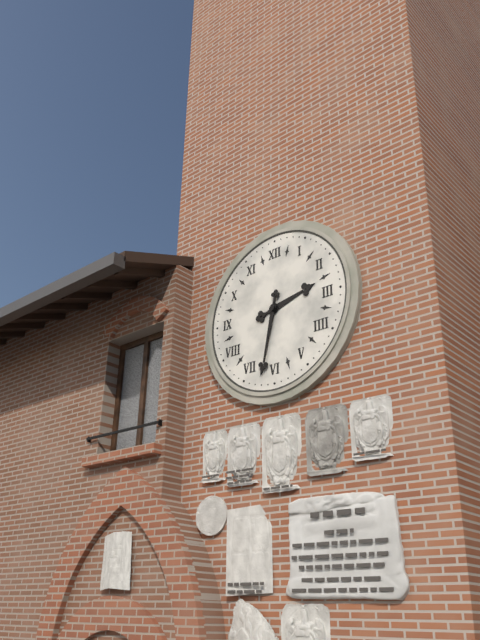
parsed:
2,32
